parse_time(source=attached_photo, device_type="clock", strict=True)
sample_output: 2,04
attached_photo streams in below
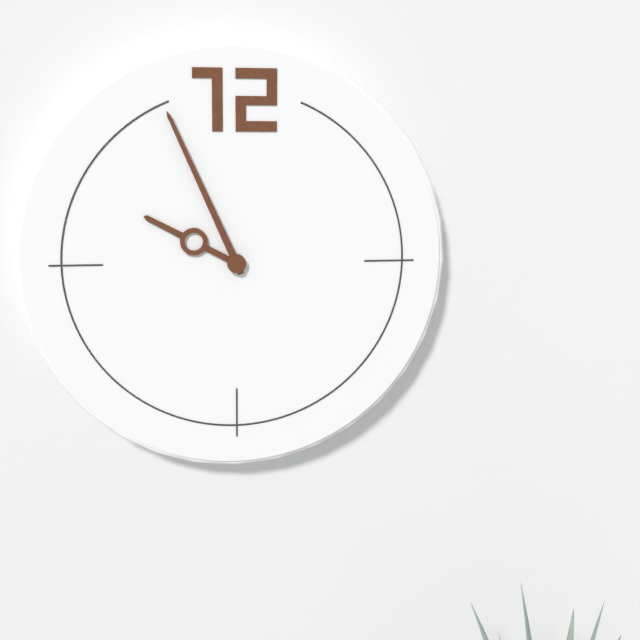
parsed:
9,56
